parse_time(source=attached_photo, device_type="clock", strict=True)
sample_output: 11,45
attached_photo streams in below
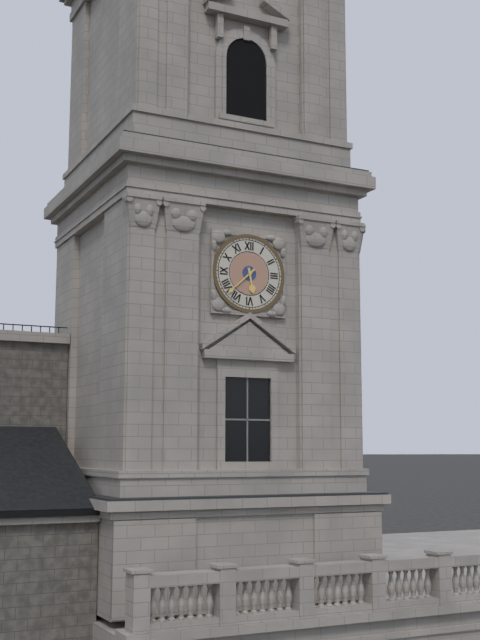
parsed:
5,38
